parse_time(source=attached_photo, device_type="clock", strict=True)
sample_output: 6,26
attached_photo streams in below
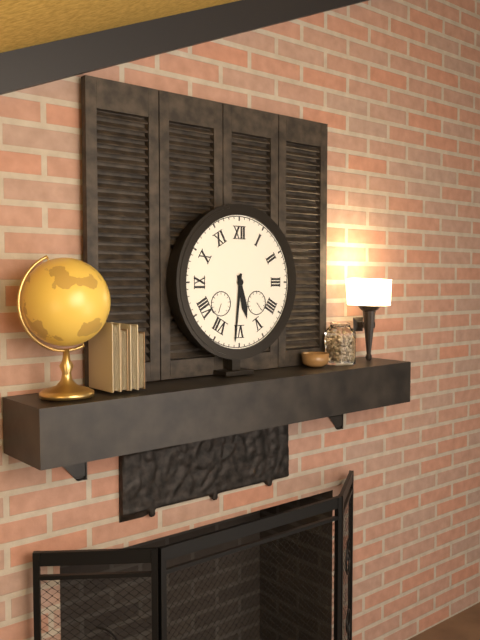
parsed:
5,31
